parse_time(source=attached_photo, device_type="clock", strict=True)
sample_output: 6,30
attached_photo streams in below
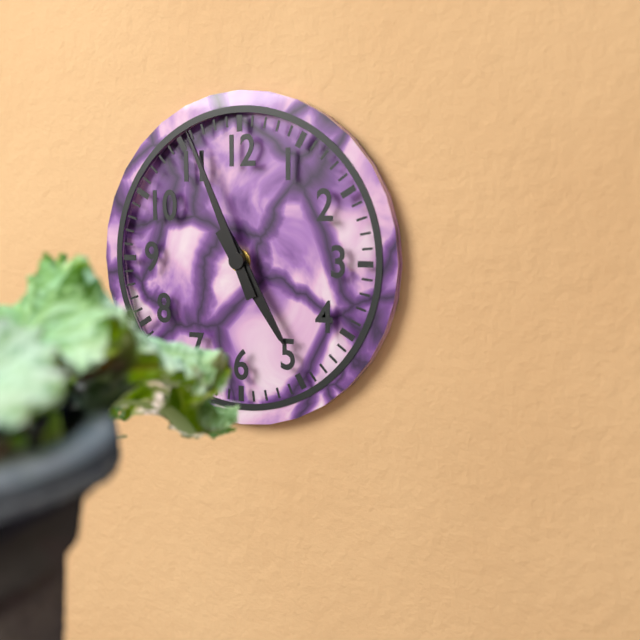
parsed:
4,56
